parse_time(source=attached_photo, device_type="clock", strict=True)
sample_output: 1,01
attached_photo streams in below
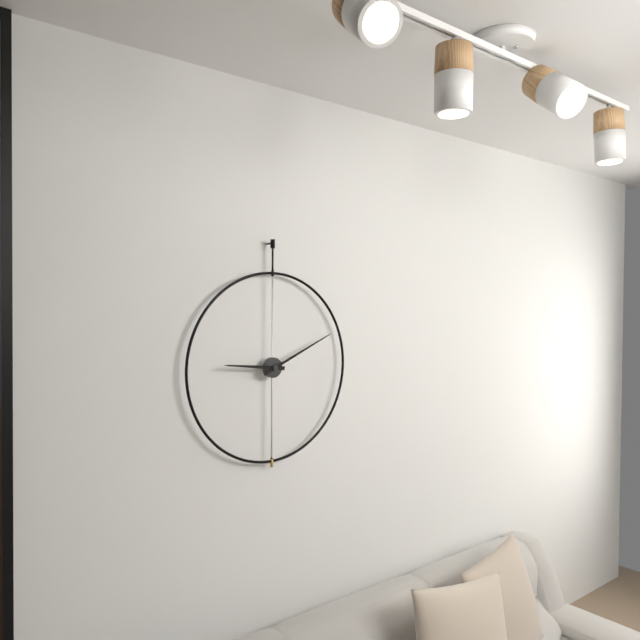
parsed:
9,11
